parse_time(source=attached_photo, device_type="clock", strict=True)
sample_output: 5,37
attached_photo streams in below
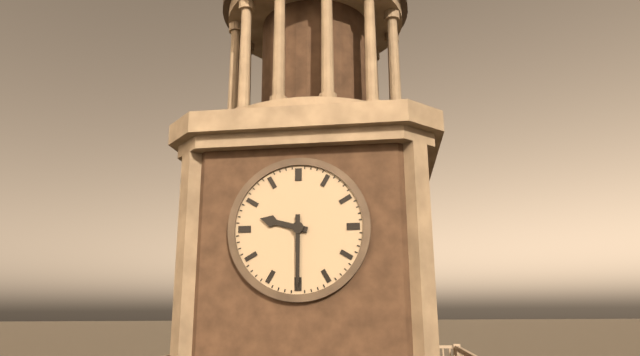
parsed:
9,30
